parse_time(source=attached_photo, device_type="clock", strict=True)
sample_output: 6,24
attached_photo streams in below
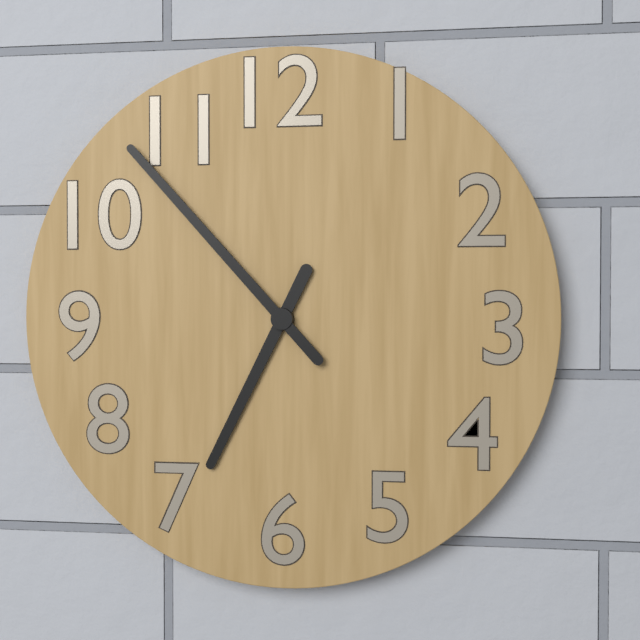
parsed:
6,53
